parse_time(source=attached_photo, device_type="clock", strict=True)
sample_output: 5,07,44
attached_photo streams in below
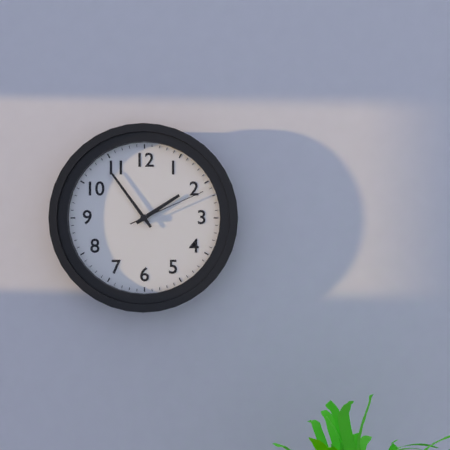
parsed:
1,54,11
